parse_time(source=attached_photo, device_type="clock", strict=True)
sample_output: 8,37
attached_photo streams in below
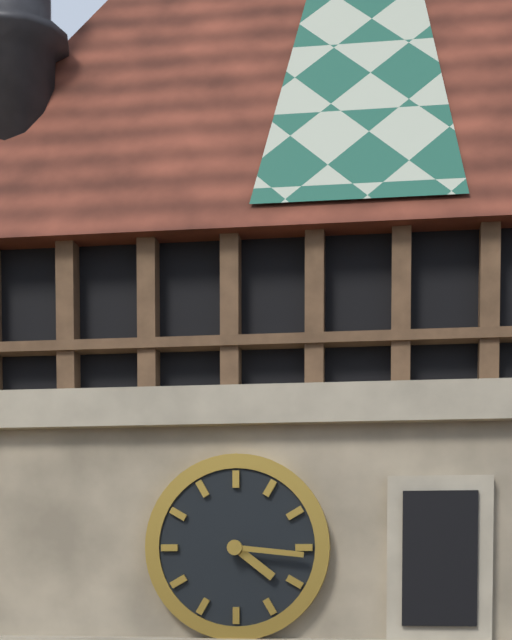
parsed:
4,16
